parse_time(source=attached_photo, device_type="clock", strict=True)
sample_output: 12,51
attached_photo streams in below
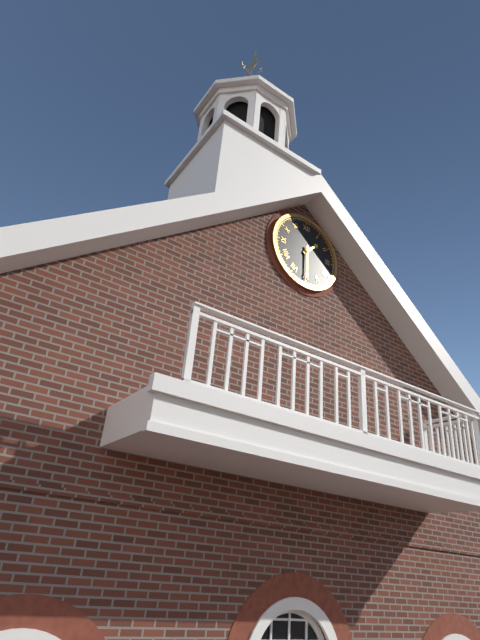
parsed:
1,30
